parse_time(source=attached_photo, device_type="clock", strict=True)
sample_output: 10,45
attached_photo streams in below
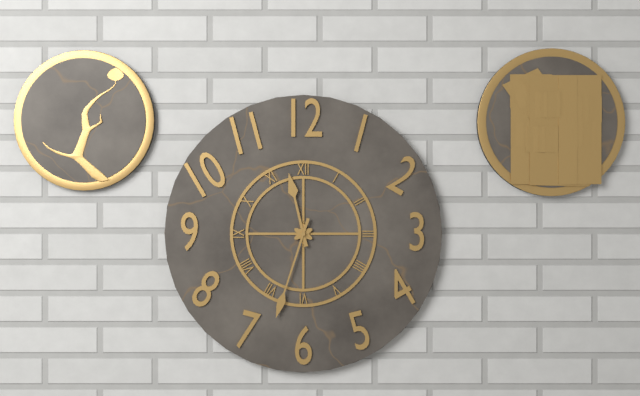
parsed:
11,33
